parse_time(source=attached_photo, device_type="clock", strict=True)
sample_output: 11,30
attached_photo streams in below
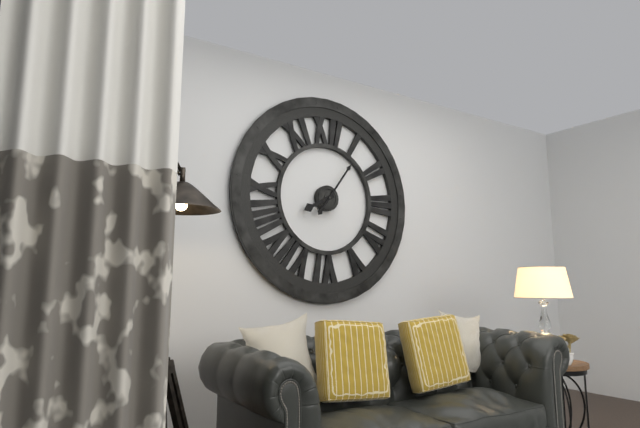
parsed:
8,06
